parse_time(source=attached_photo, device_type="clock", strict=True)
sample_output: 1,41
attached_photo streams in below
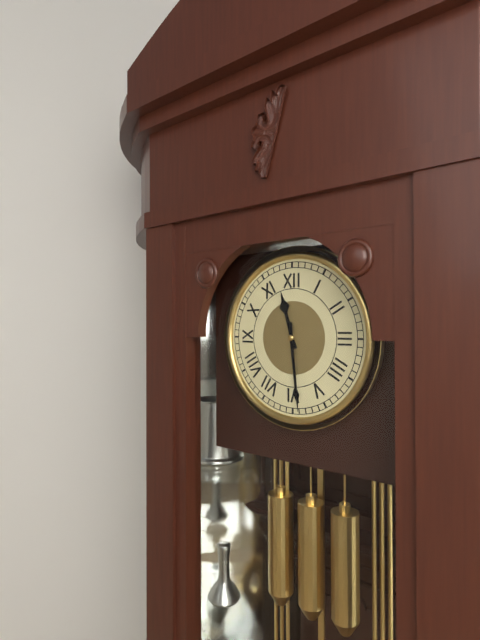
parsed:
11,29
